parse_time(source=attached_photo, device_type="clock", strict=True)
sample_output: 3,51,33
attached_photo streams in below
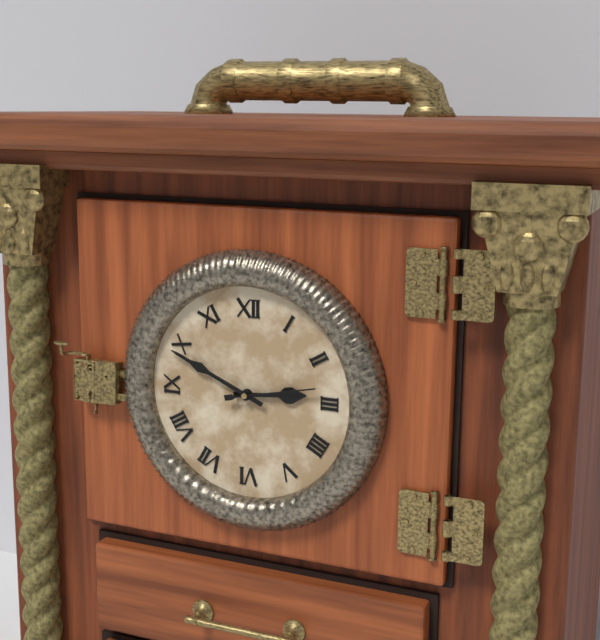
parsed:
2,49,13
